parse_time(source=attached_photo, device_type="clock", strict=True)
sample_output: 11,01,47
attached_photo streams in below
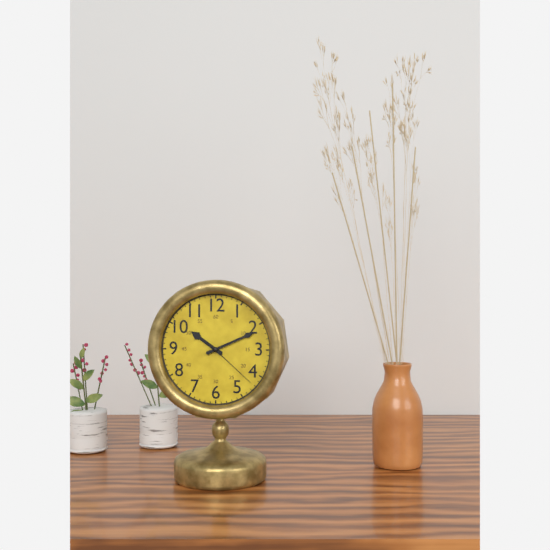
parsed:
10,11,22
